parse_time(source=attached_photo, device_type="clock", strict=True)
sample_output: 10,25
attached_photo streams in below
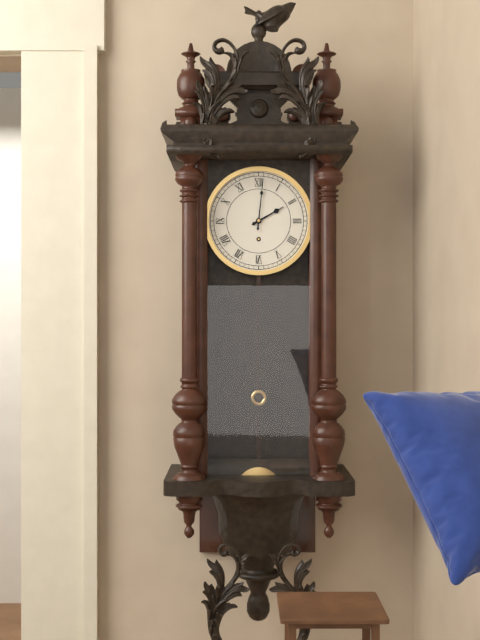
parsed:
2,01
